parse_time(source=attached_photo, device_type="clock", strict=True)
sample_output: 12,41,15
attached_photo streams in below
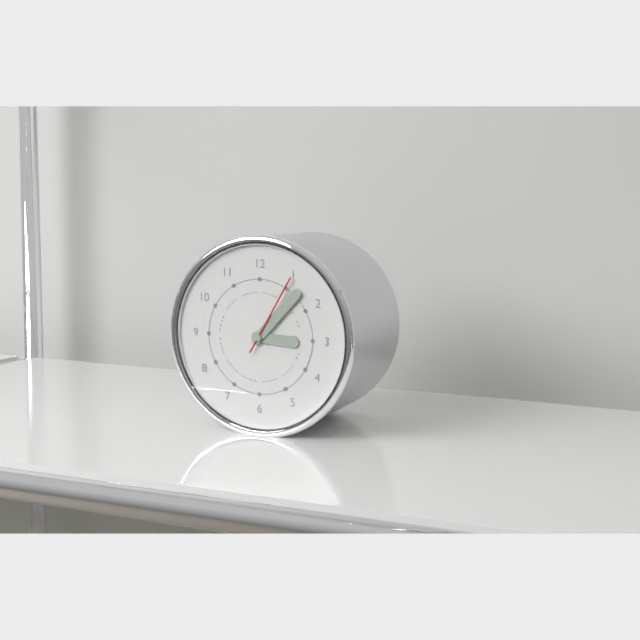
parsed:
3,07,05
